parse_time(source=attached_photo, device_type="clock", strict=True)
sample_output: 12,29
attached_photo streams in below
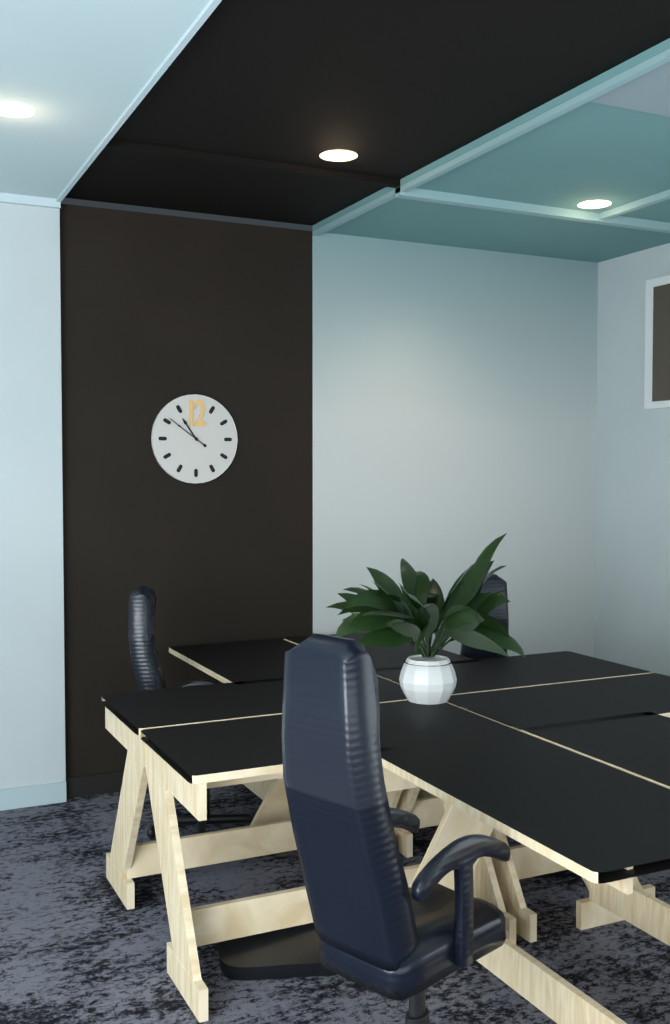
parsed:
10,51
